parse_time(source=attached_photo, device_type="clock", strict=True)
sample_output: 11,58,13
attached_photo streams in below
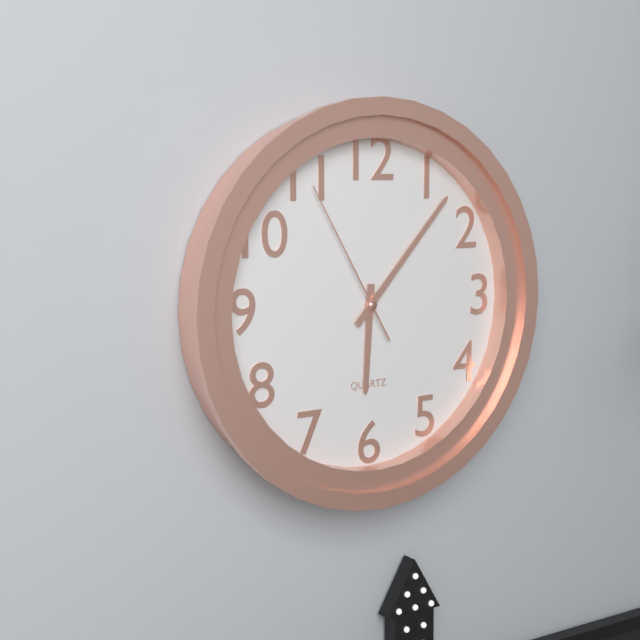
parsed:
6,07,55
